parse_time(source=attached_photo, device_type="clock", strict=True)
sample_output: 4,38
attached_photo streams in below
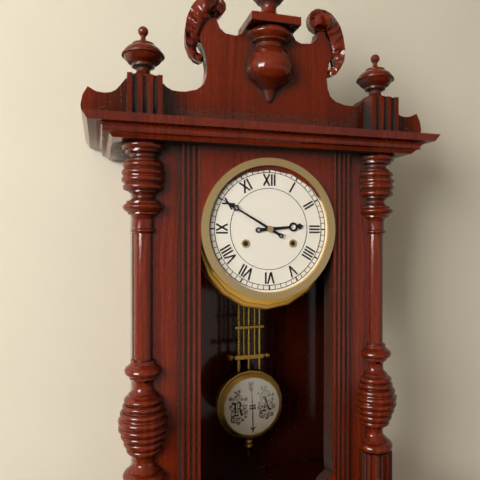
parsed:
2,50
